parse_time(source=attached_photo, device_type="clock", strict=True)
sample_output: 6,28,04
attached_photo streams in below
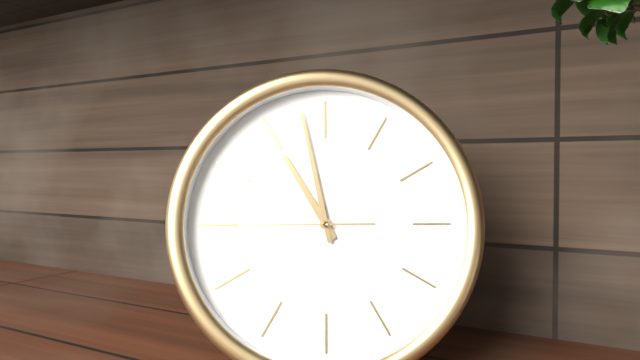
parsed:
10,58,45
